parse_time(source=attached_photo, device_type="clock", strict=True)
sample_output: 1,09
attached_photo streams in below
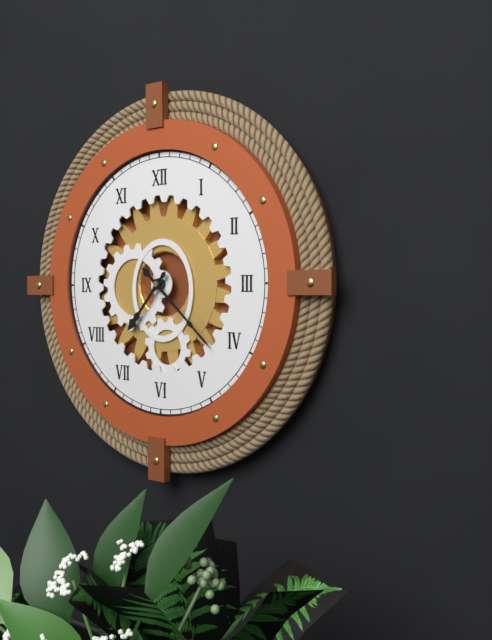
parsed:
7,22
